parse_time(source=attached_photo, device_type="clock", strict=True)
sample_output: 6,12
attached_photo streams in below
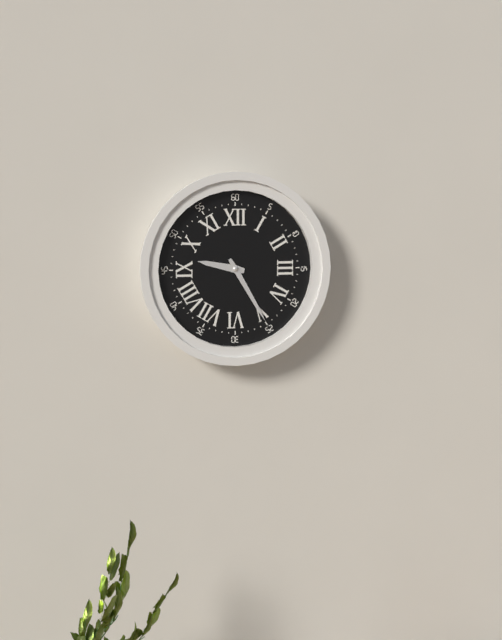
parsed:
9,25
